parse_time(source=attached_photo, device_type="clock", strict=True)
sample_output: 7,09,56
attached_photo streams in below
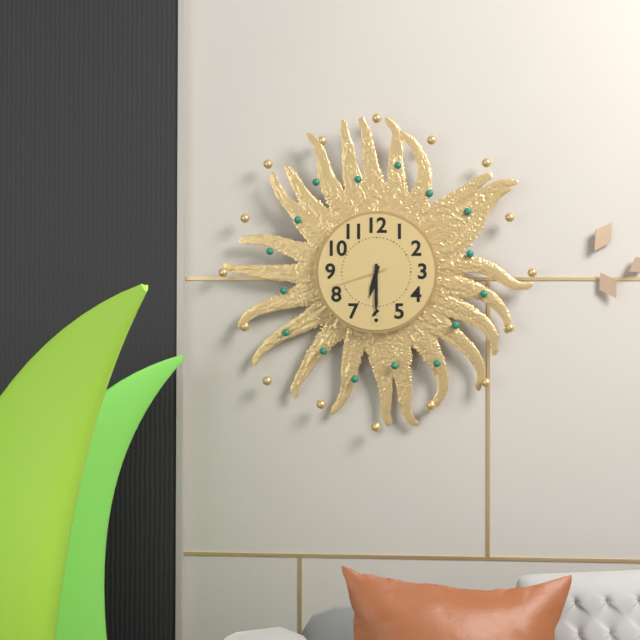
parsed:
6,30,42
